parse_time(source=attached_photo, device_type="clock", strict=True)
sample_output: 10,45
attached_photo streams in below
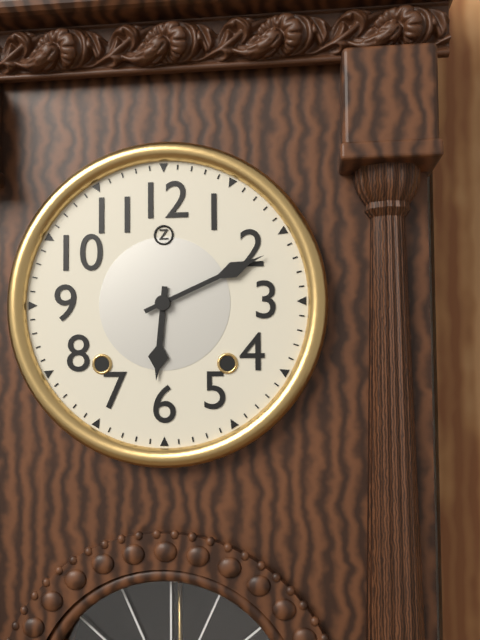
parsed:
6,11
